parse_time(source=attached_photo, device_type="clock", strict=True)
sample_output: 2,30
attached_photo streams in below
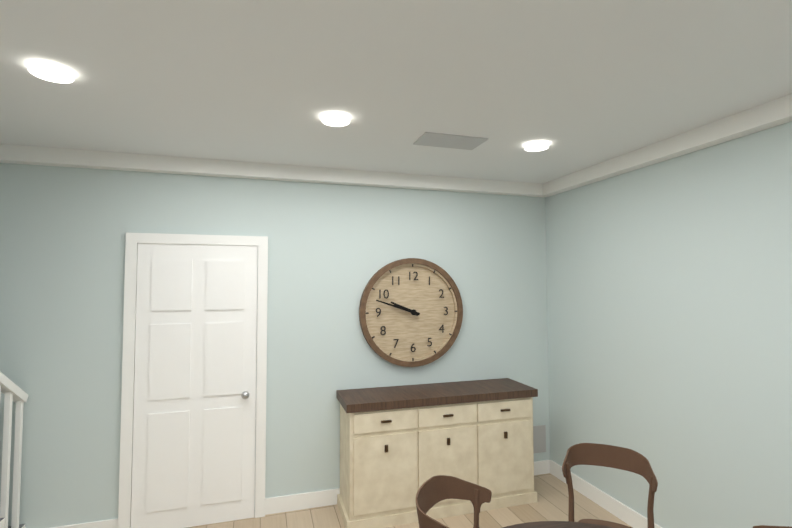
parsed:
9,48
